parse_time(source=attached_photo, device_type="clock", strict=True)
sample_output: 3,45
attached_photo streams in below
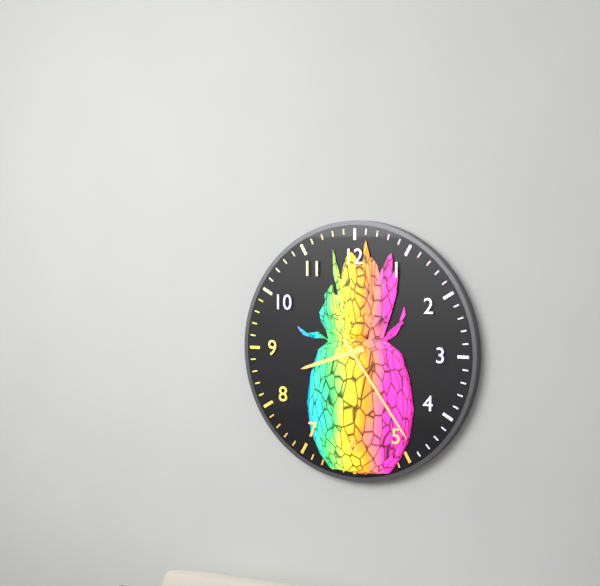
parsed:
8,24
